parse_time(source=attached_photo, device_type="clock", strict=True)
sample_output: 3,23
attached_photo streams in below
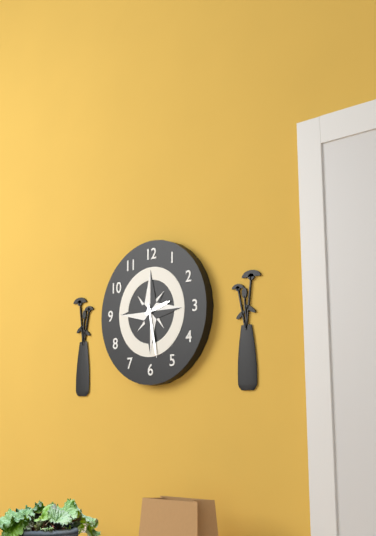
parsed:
2,28
